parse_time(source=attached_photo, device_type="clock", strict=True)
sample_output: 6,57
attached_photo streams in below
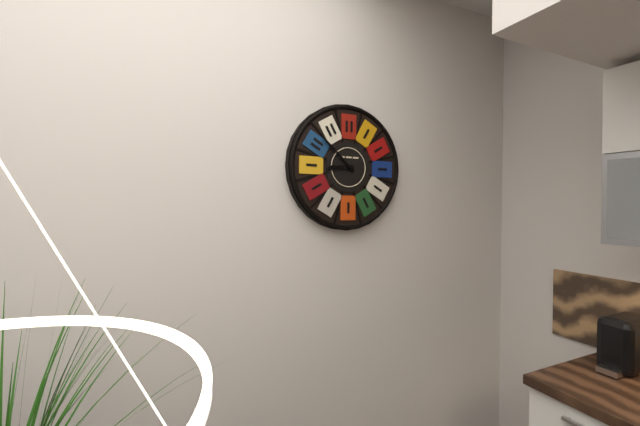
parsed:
8,52
